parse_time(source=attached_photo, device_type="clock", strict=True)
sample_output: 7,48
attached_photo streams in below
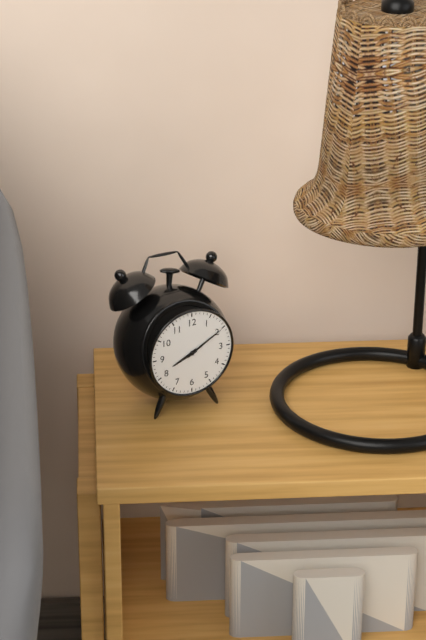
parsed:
8,10
